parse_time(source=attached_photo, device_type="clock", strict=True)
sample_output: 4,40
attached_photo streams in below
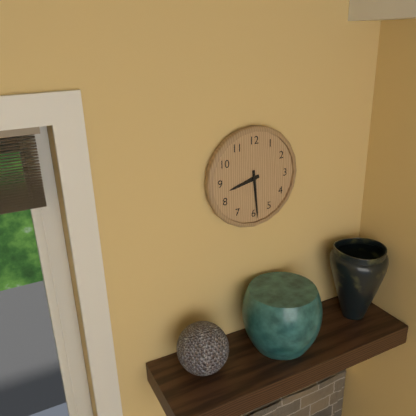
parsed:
8,29
